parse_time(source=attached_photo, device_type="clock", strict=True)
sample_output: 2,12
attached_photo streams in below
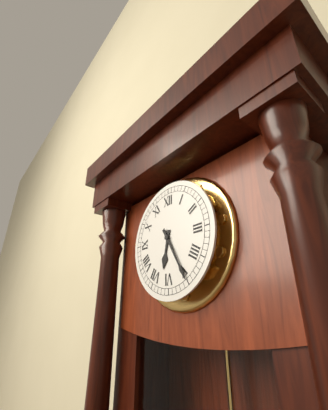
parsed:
6,25
